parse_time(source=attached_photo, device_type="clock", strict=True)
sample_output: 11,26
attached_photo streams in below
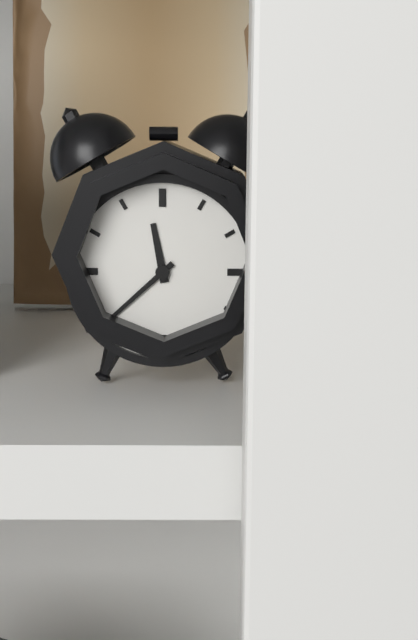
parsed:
11,38
